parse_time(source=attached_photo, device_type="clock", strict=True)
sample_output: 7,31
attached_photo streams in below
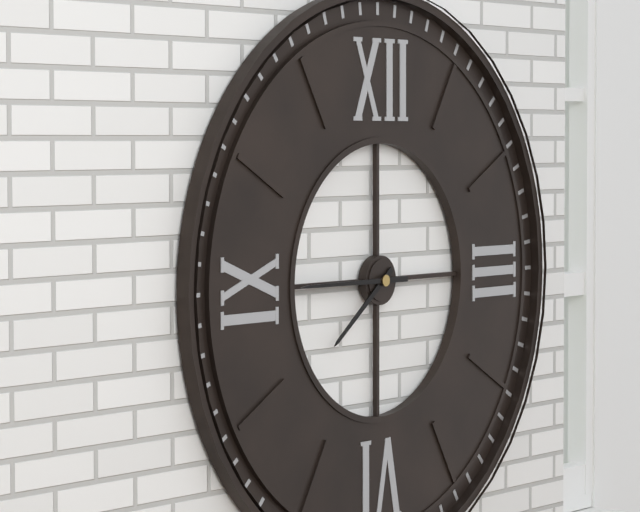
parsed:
7,45
